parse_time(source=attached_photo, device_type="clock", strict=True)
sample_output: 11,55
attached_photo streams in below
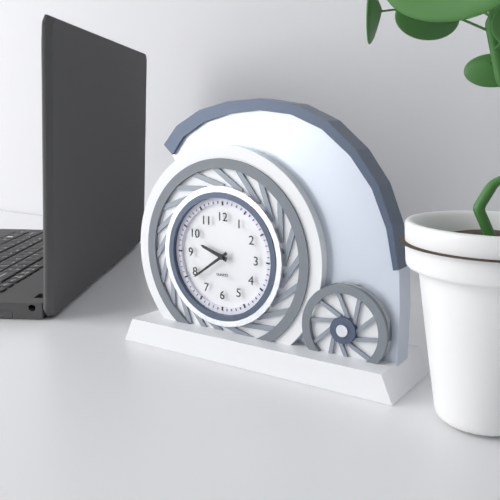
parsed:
9,39
